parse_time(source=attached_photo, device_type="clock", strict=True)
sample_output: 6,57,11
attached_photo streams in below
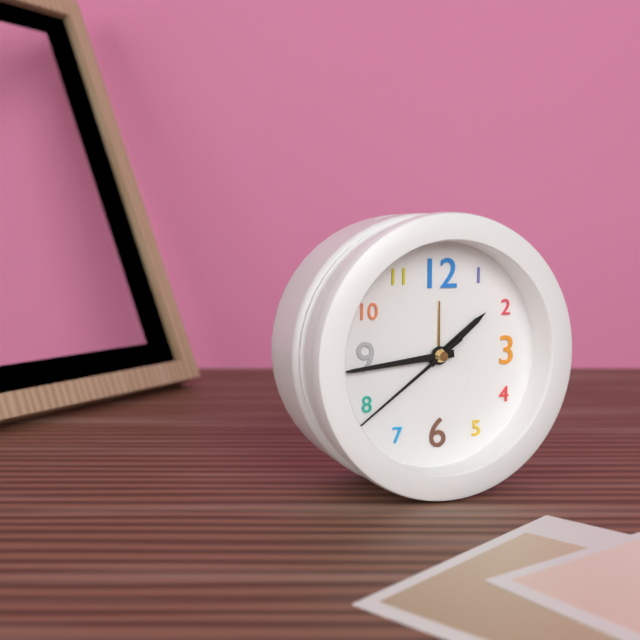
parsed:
1,44,39
